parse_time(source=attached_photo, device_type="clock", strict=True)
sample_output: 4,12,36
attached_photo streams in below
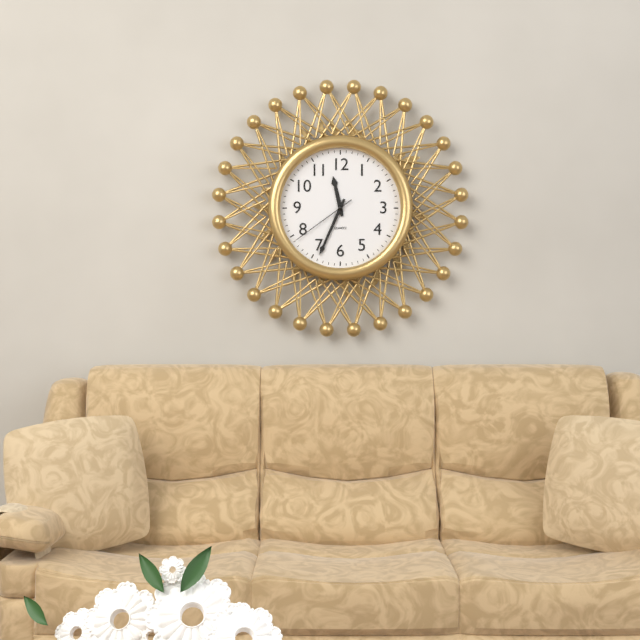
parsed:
11,34,39
